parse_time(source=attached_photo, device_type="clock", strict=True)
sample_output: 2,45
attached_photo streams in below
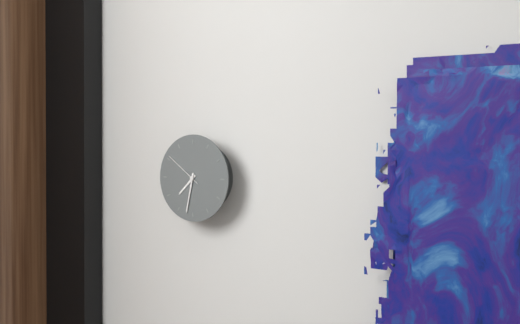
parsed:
7,32
